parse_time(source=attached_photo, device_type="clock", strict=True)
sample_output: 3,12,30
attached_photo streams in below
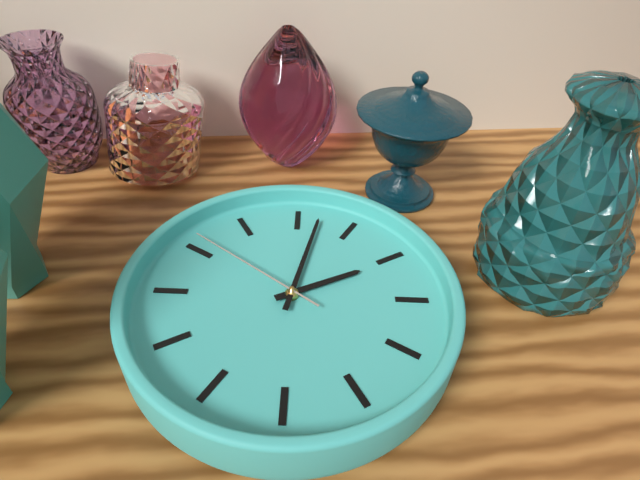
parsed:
3,07,56
